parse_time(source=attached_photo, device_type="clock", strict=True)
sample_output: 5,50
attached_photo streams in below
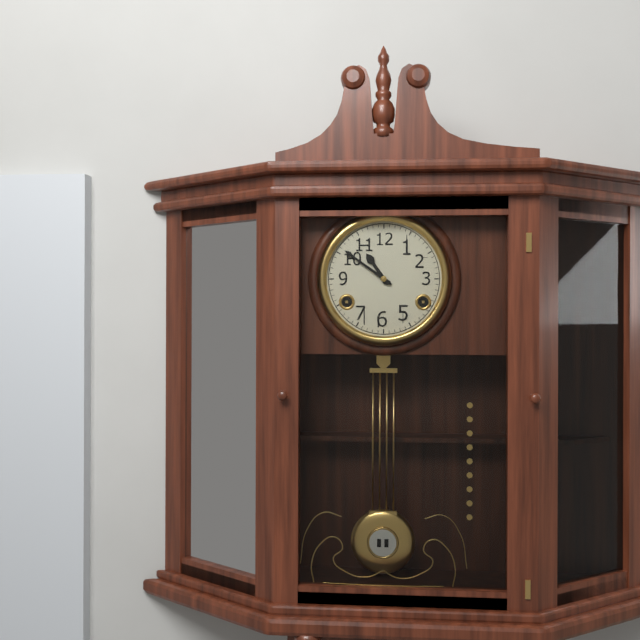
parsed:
10,51
